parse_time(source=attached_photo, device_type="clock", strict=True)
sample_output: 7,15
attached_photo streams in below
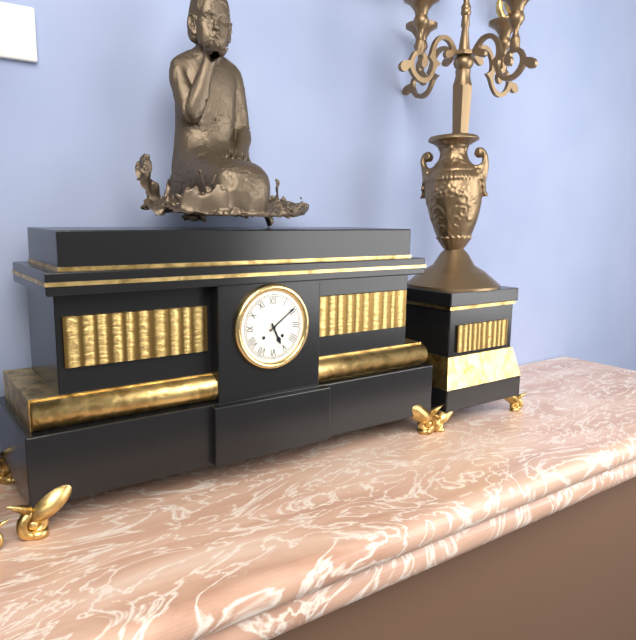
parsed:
5,09
